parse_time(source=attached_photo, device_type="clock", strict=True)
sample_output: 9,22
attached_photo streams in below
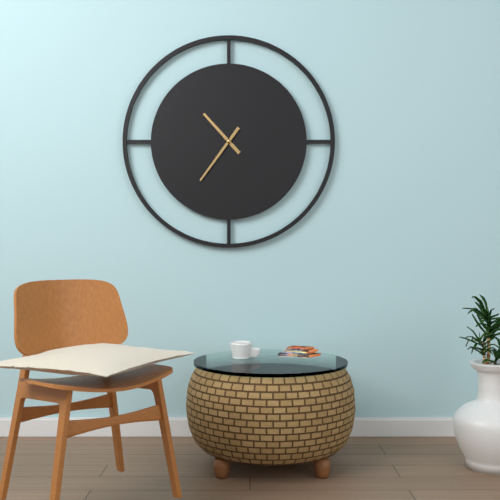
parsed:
10,36
